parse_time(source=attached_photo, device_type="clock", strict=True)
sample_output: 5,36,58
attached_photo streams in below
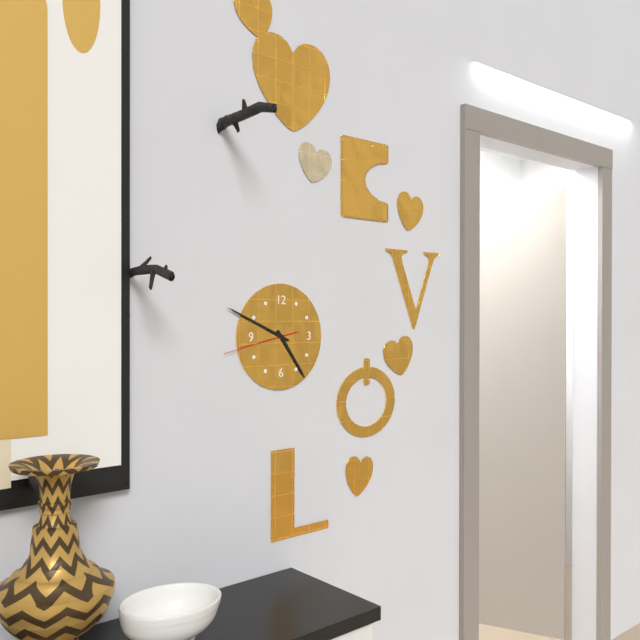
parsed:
4,49,43
